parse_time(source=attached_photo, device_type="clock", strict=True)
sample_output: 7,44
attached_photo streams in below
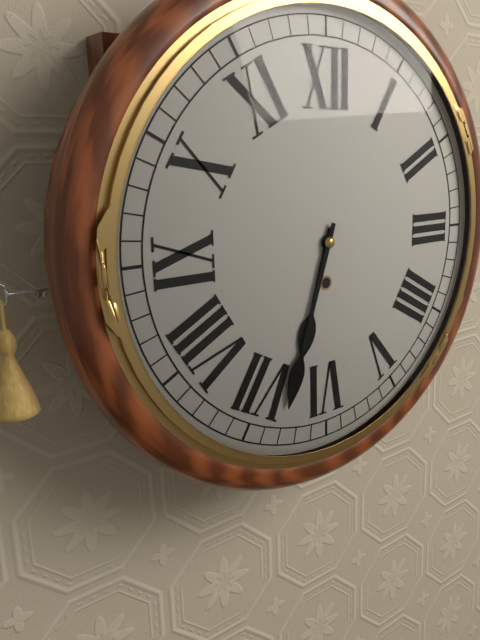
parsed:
6,33
